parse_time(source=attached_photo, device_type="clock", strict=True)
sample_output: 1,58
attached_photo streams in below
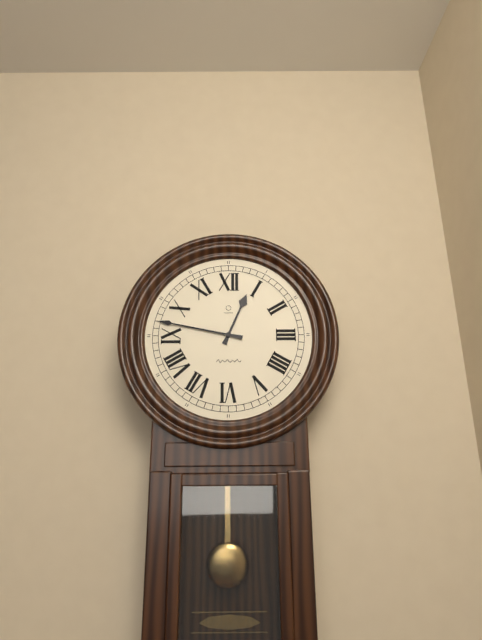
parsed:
12,47
